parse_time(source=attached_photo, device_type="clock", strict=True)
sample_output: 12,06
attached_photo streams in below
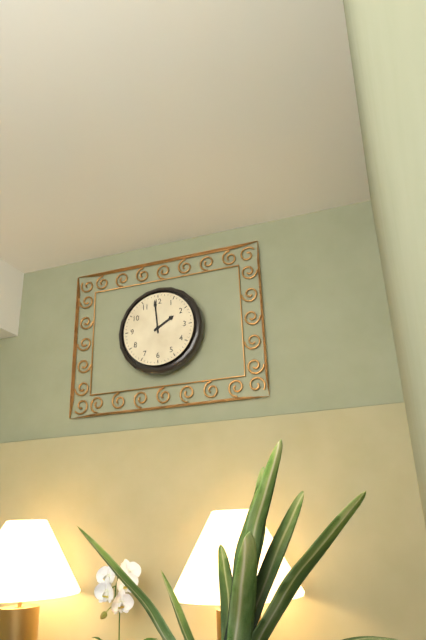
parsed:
1,59
